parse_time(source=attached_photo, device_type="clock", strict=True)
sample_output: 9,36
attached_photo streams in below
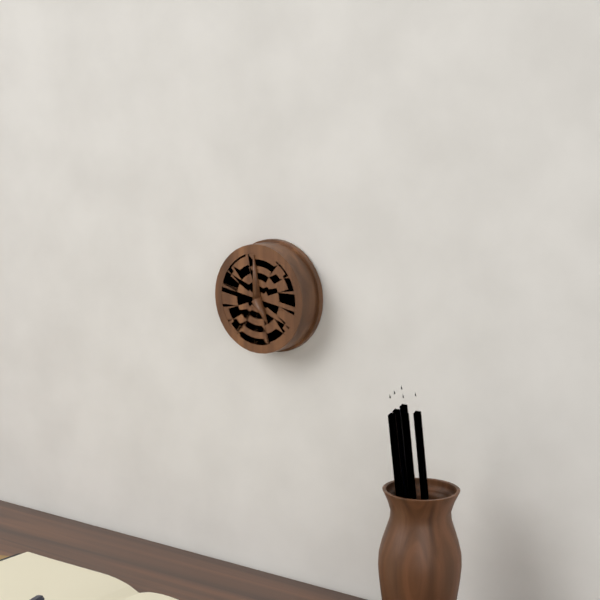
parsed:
4,59
